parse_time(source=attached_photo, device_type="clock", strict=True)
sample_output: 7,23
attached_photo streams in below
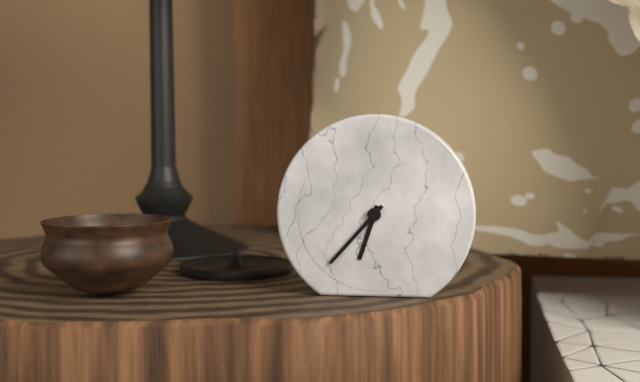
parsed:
6,37
